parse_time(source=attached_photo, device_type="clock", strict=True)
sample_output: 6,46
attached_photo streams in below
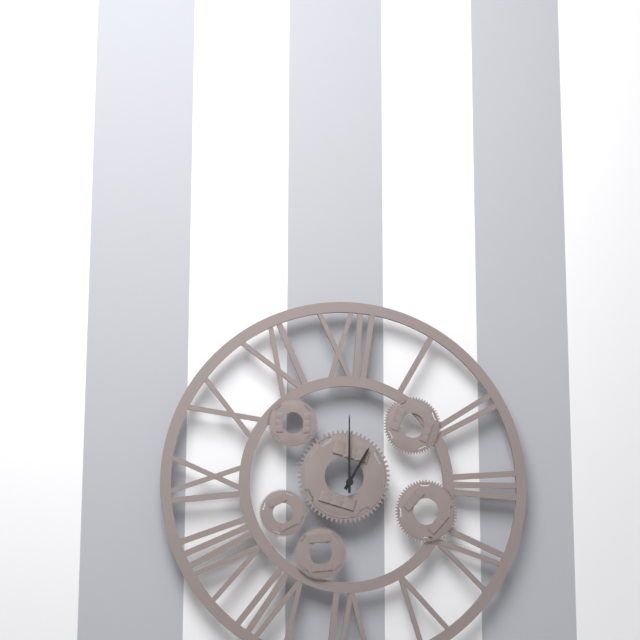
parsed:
1,00
